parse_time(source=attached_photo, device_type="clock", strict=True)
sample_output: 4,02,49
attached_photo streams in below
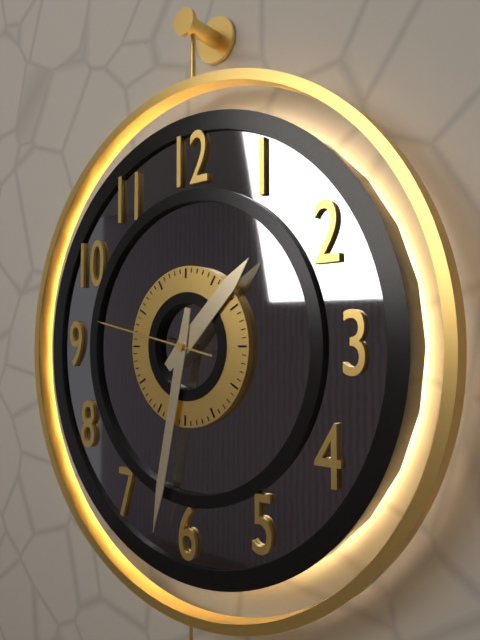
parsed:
1,32,47
